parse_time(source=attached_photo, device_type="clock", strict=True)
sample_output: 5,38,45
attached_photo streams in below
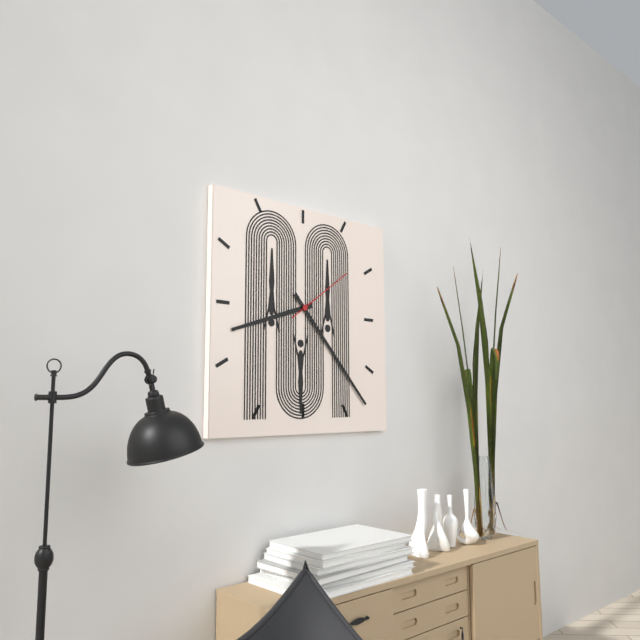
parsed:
8,23,09
